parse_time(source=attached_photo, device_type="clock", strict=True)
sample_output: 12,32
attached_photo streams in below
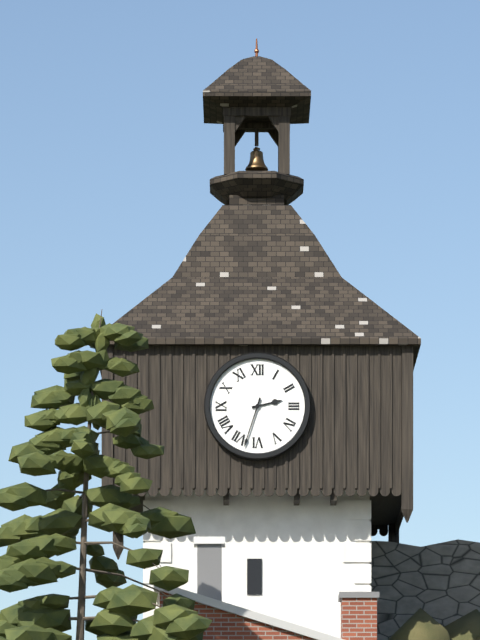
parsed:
2,33
